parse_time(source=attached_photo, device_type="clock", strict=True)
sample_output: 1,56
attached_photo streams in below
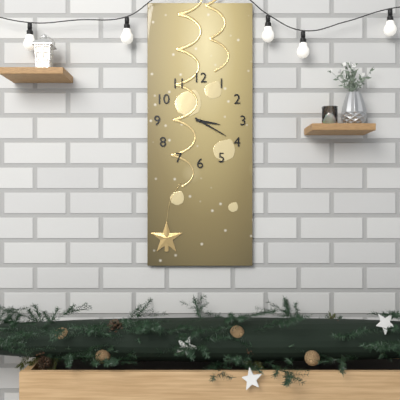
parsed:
3,20
